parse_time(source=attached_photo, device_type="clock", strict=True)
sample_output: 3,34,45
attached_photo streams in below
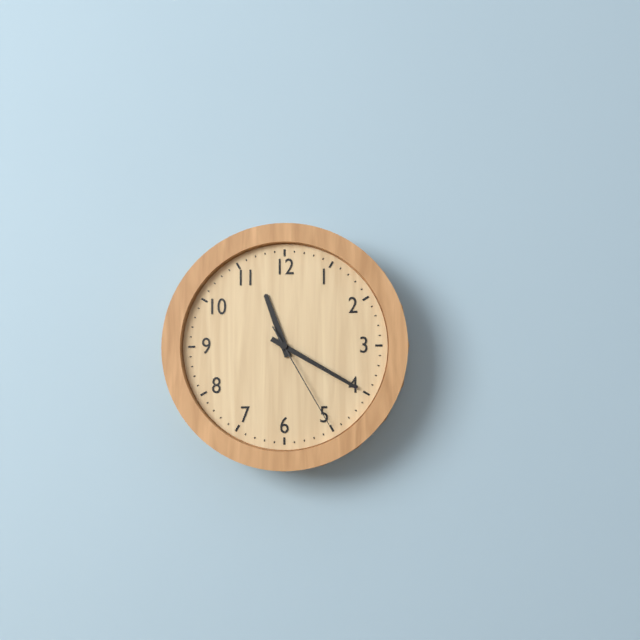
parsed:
11,20,25
